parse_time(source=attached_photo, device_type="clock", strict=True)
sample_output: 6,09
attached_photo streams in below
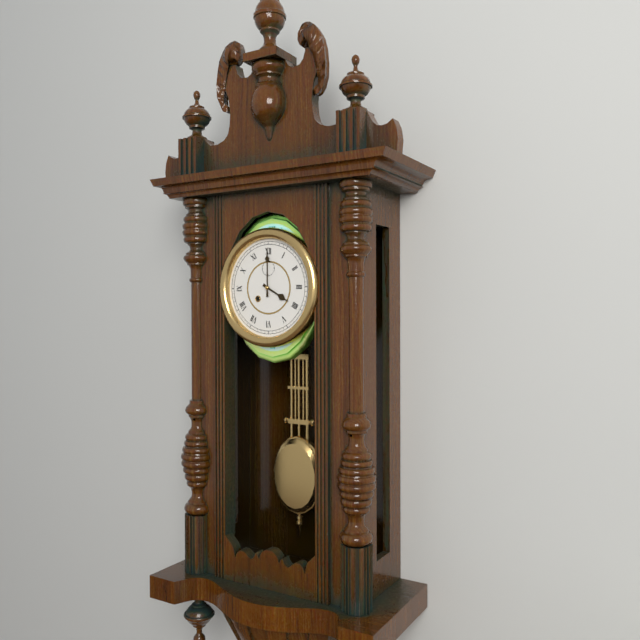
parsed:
4,00
